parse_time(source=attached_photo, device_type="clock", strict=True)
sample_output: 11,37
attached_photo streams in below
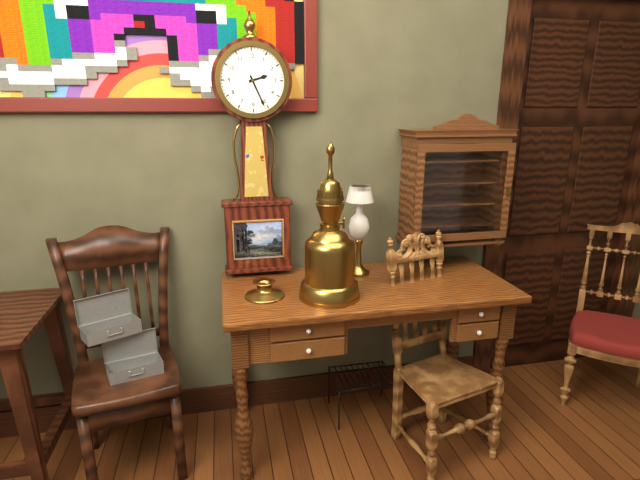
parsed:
2,26
